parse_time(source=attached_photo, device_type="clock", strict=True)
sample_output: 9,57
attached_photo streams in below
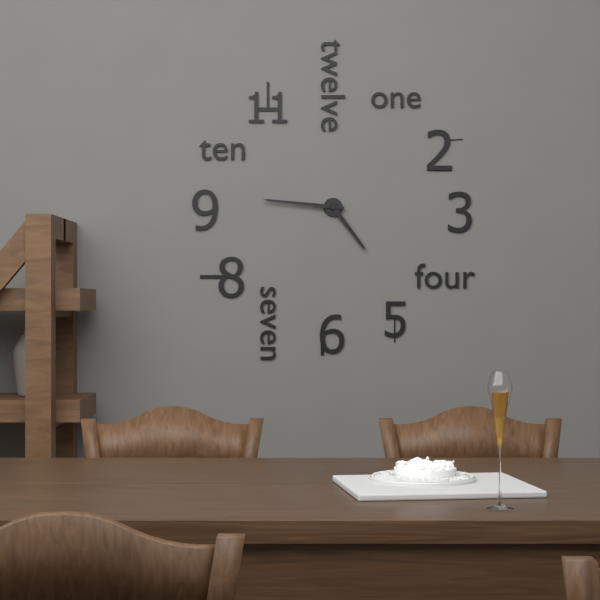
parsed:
4,46
